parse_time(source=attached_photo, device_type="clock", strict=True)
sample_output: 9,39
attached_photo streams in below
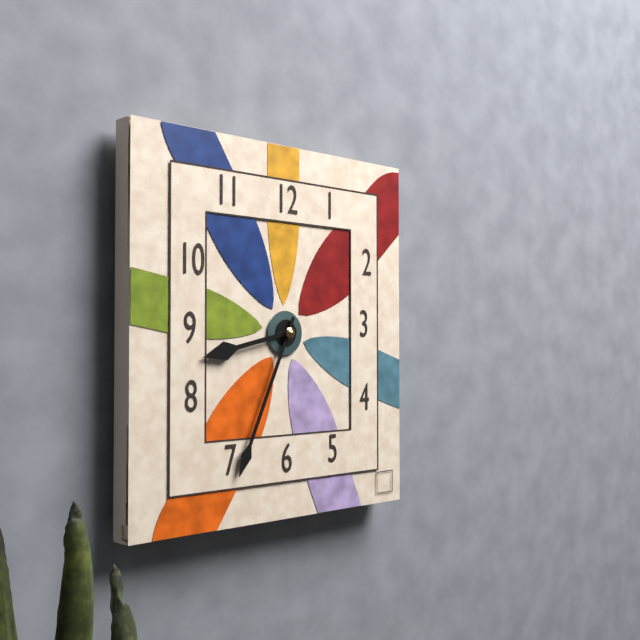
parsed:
8,34
